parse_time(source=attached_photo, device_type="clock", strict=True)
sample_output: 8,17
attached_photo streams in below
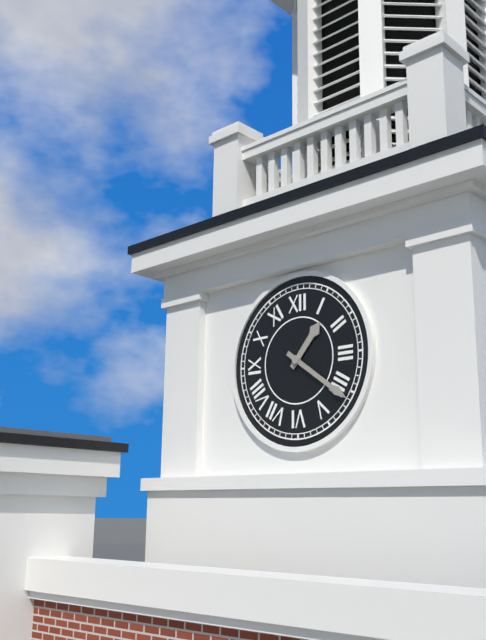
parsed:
1,21
